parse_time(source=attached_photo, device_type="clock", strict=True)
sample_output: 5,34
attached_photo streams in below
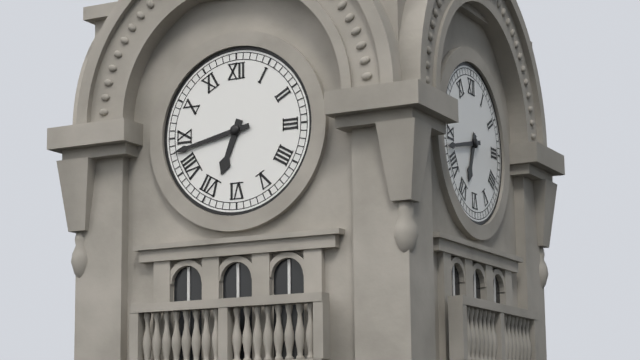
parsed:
6,43
